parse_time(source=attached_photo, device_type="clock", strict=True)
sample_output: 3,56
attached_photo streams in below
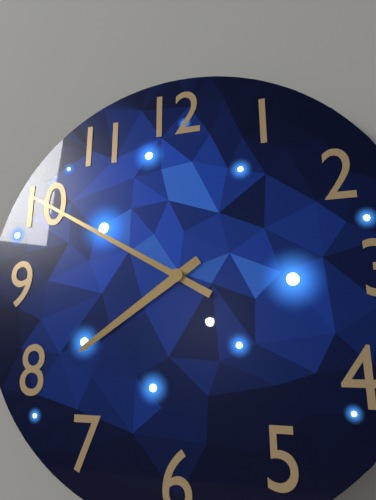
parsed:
7,50
